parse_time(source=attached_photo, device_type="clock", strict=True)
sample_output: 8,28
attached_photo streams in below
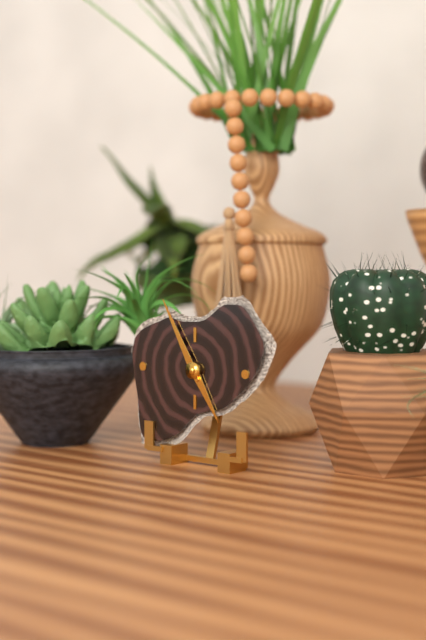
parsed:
4,55
